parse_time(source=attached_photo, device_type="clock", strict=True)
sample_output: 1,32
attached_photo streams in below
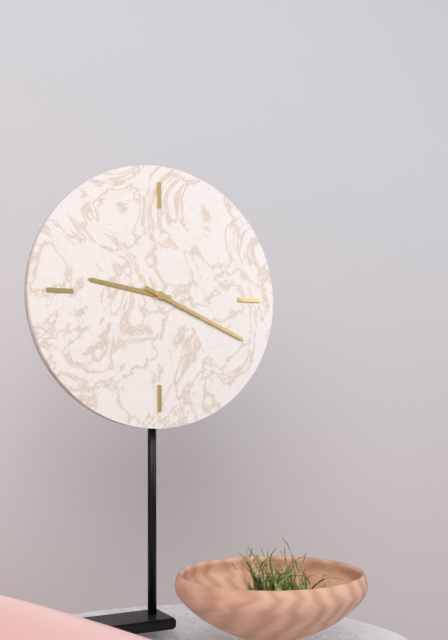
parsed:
9,19
